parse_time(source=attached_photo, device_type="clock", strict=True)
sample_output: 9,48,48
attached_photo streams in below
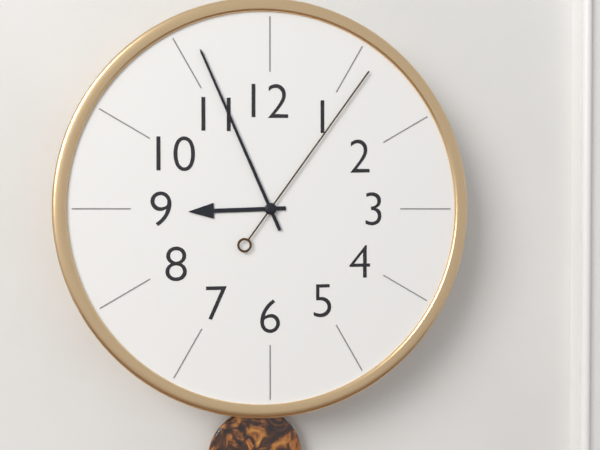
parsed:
8,56,06
